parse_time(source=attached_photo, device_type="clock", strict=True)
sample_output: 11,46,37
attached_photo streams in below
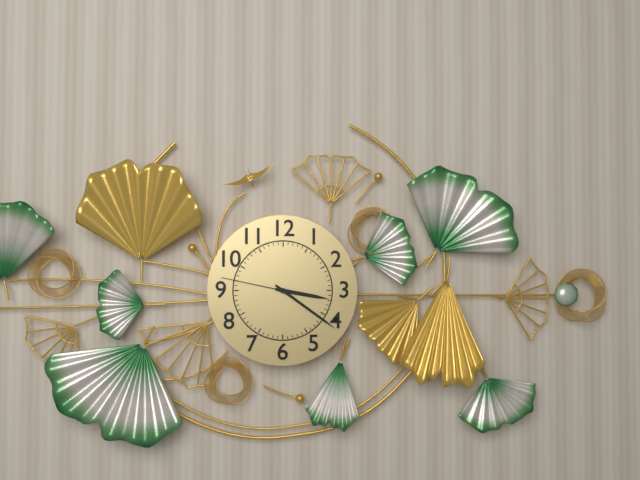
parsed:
3,21,47
